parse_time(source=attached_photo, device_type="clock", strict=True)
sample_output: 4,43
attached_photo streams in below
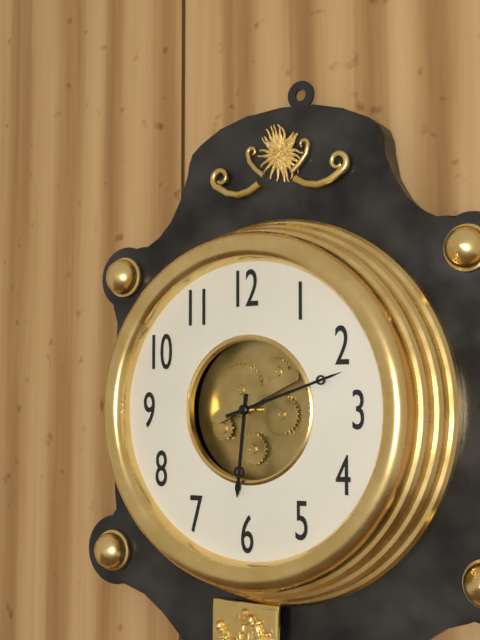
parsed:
6,12
